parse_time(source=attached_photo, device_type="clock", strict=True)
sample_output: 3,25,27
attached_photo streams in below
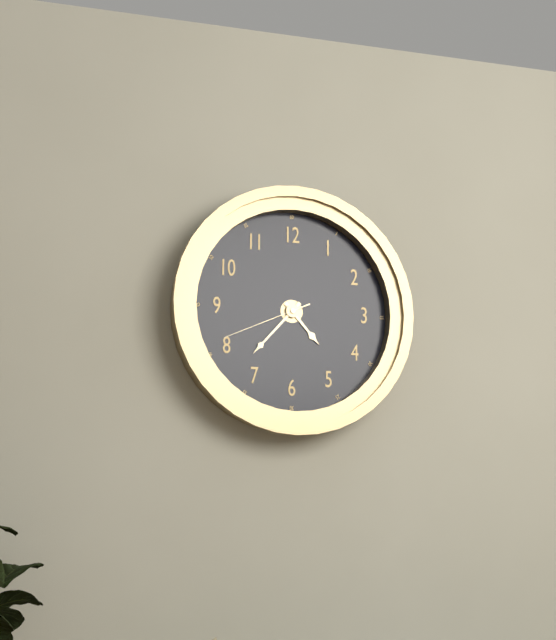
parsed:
4,37,41
